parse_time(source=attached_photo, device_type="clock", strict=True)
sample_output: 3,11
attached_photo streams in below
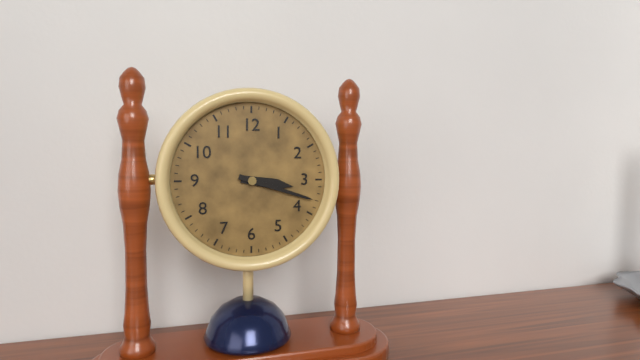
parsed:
3,18
